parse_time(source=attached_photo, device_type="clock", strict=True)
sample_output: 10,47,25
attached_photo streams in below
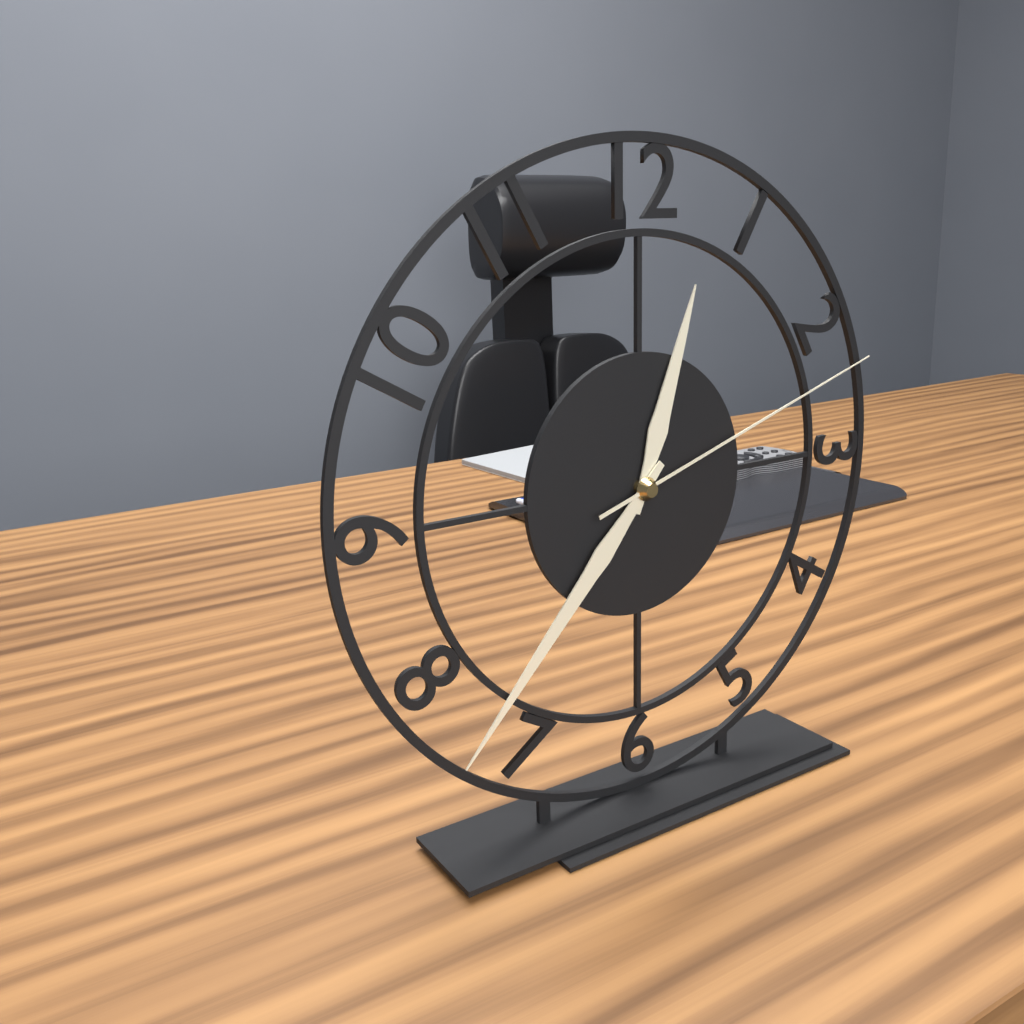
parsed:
12,37,12
